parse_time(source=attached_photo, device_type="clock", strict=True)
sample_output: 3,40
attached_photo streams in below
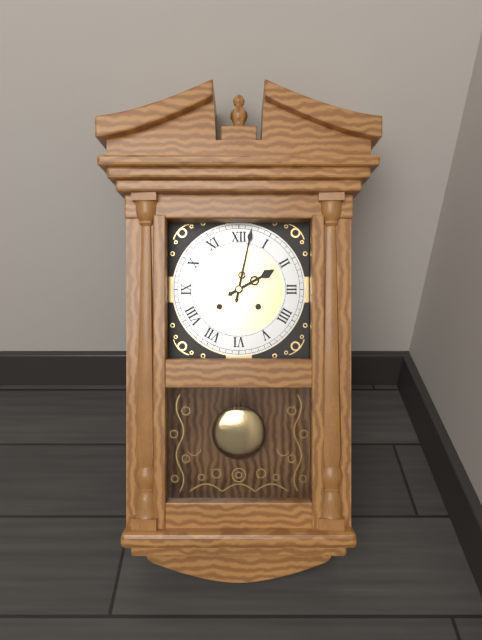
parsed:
2,02
